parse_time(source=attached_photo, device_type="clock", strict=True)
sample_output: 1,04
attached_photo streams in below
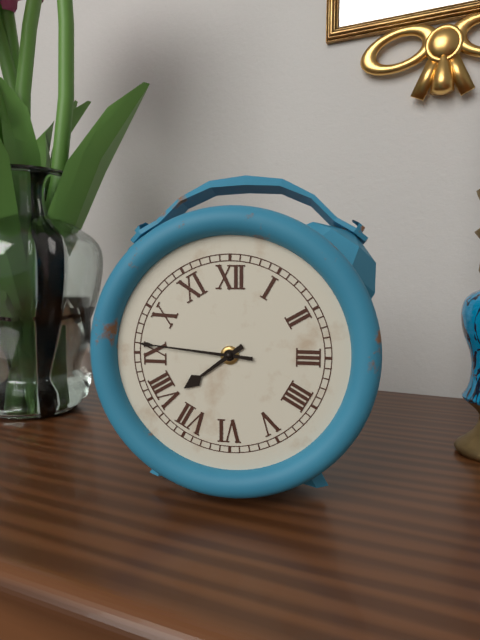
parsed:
7,46
